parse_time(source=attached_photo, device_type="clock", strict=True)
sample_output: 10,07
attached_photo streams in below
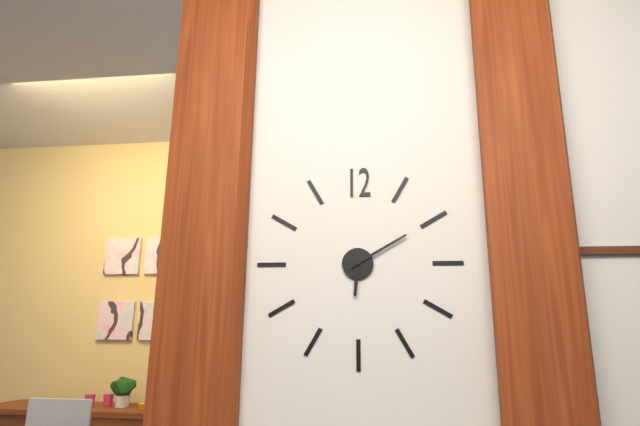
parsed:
6,10
